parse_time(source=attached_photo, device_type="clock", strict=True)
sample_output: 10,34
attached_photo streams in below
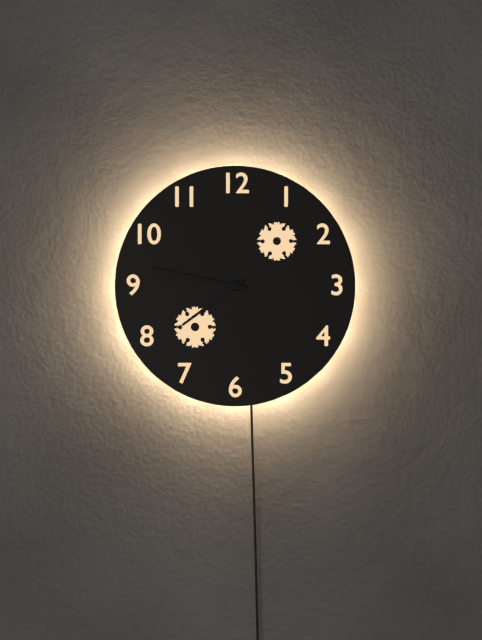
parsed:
7,47
